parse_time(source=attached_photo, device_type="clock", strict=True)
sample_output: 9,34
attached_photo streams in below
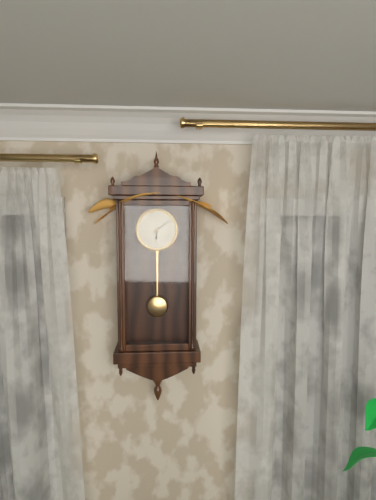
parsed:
6,09
